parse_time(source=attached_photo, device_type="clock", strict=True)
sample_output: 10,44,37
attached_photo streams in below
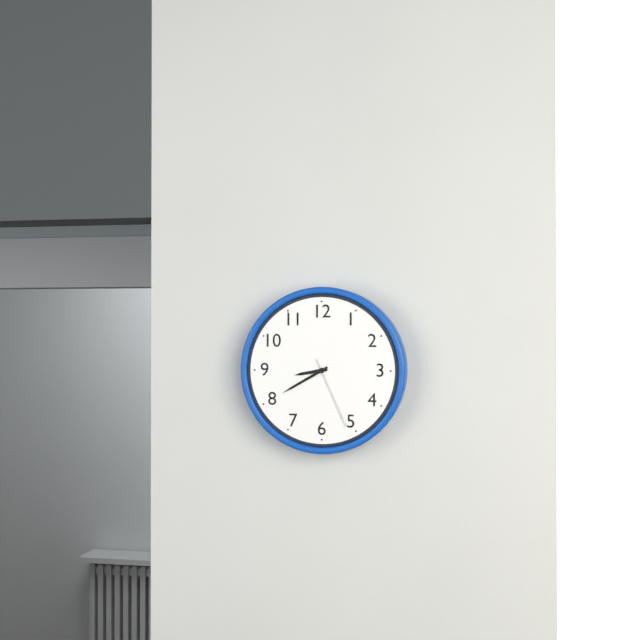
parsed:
8,40,26
